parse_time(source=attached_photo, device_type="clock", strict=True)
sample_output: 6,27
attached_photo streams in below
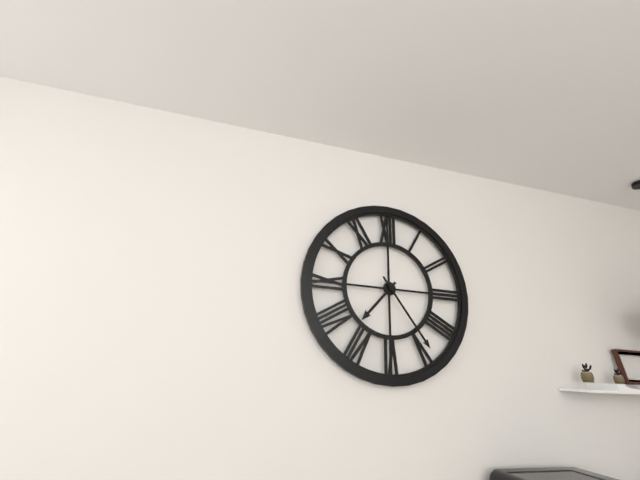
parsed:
7,24
